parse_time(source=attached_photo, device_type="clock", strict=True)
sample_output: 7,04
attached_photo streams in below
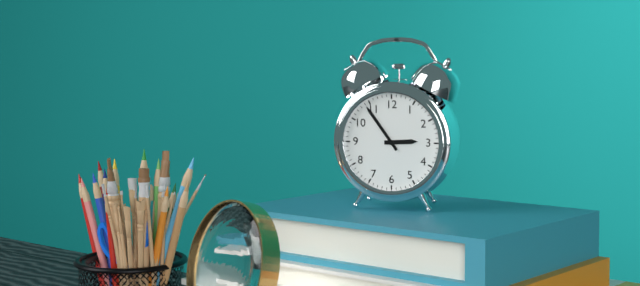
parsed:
2,54
